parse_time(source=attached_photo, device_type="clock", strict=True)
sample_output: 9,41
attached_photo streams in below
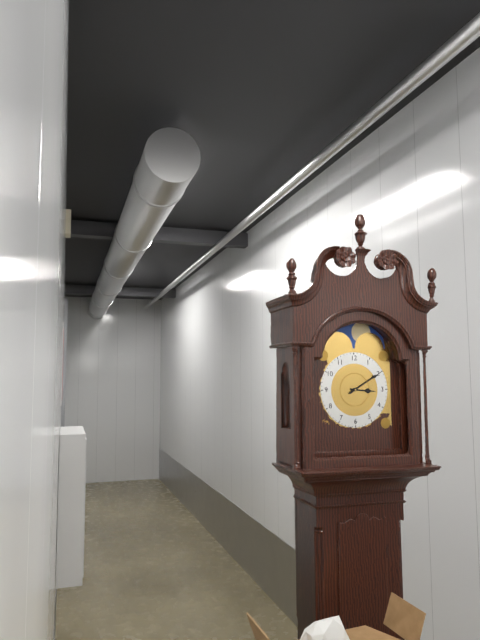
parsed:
3,10
